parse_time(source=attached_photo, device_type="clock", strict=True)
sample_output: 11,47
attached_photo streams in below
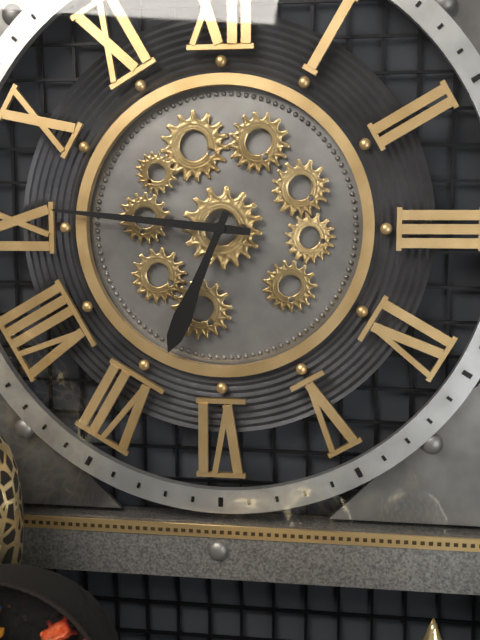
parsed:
6,46
